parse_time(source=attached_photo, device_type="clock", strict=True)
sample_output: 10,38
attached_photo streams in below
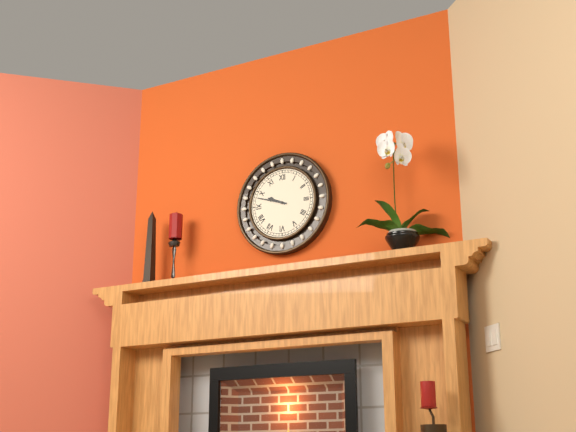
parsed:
9,48
